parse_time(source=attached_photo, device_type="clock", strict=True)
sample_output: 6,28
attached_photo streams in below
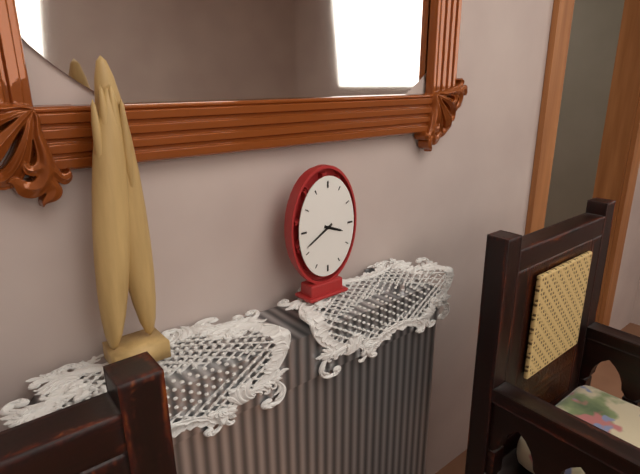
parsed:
3,40
